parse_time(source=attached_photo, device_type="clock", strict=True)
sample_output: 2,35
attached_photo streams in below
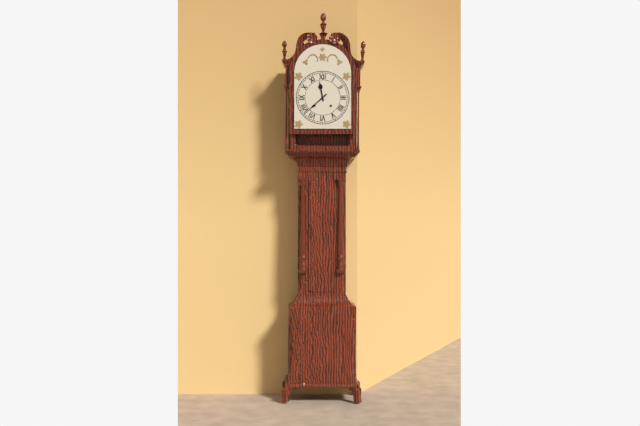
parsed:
11,38
